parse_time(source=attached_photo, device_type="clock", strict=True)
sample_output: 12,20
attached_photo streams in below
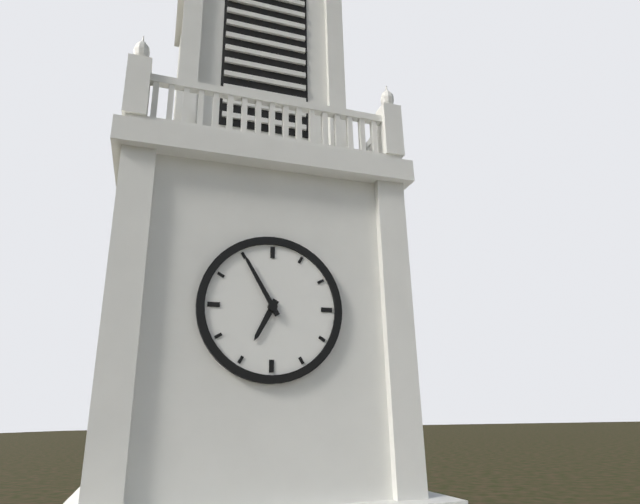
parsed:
6,55
